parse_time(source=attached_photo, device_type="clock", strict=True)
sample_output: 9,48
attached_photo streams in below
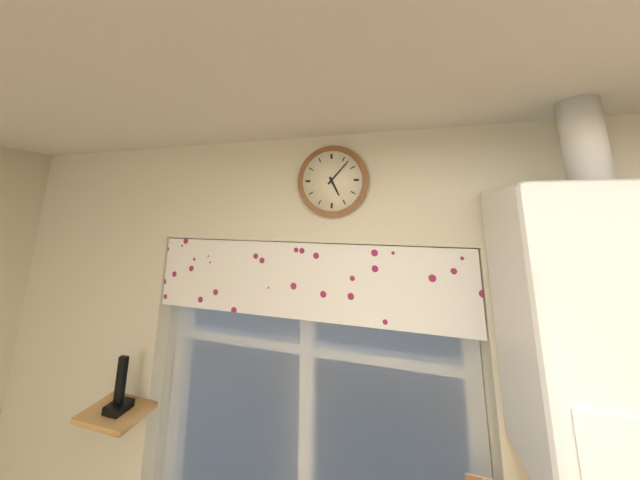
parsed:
5,07
